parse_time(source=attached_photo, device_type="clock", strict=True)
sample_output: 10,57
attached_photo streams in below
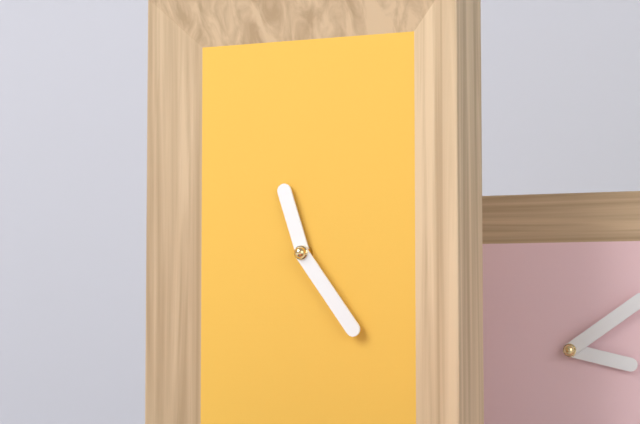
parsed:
11,24
